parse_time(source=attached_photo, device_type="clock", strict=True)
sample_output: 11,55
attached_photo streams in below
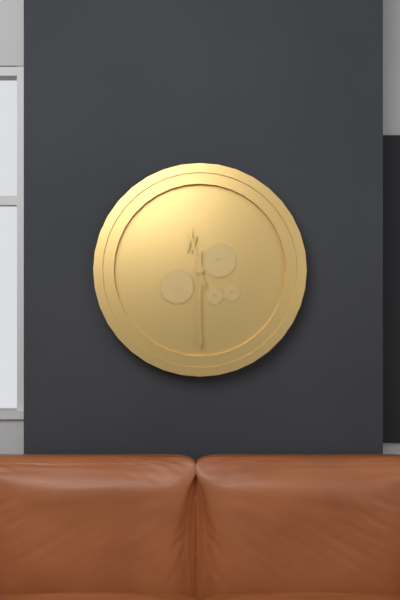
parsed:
11,30
